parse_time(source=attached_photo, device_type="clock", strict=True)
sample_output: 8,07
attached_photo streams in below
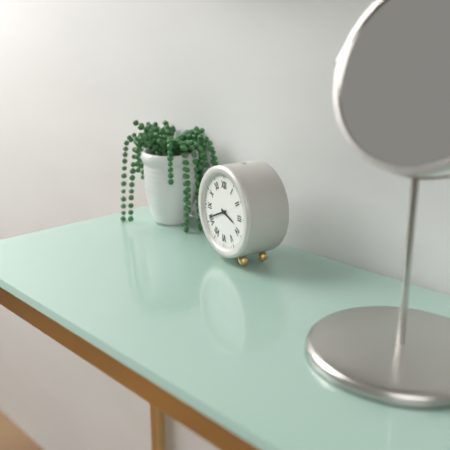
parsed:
3,41
